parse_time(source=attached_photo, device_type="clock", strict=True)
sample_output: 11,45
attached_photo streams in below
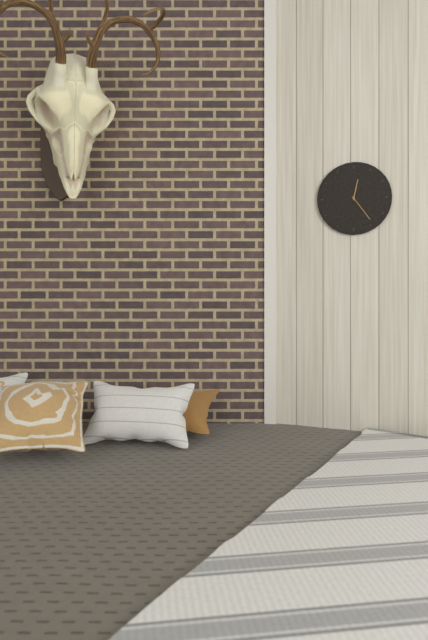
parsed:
12,24
